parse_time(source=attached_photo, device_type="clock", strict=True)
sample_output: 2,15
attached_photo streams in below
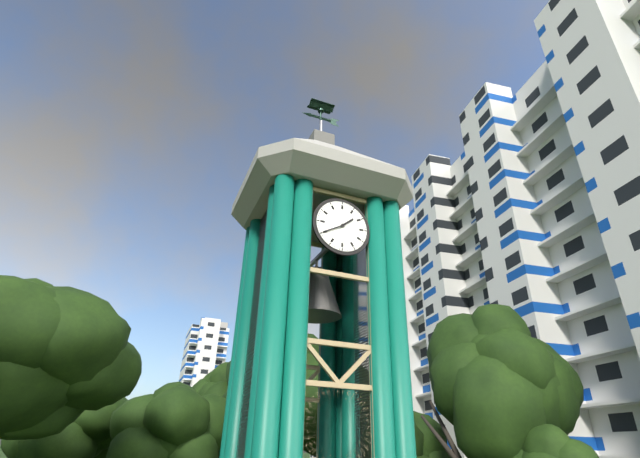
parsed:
1,40
